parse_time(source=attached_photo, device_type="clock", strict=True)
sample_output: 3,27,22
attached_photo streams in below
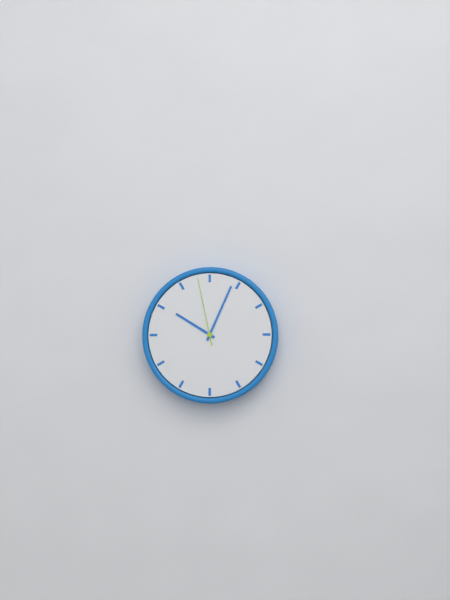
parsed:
10,04,58
